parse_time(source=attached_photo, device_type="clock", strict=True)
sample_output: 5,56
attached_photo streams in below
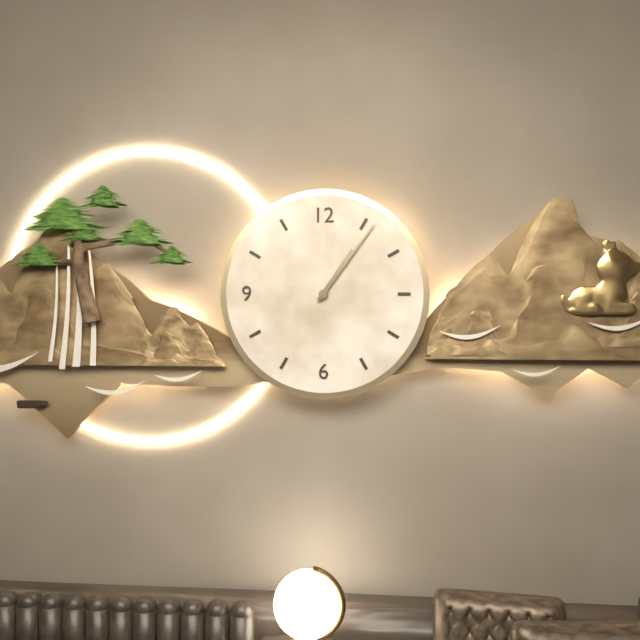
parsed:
1,06
